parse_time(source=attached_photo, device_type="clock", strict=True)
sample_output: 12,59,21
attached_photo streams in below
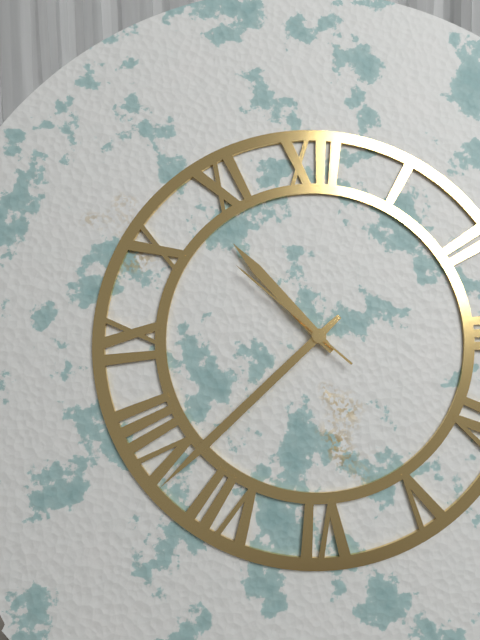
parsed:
10,38,52
